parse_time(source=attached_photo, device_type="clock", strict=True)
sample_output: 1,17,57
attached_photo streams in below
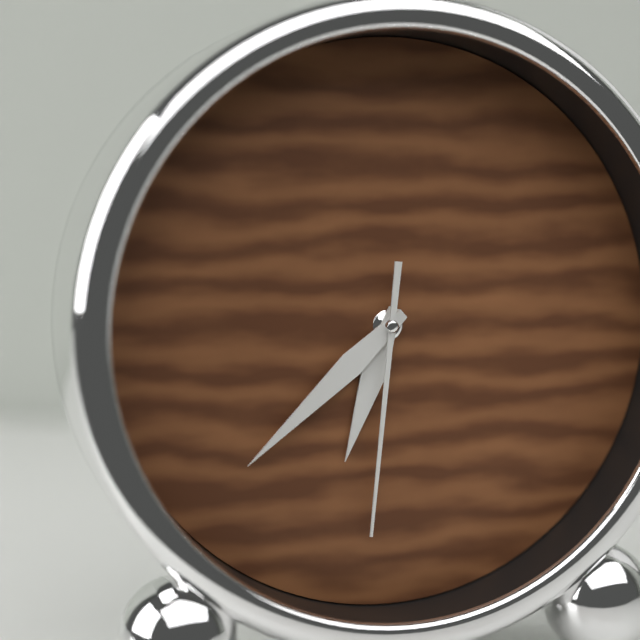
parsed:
6,38,31
